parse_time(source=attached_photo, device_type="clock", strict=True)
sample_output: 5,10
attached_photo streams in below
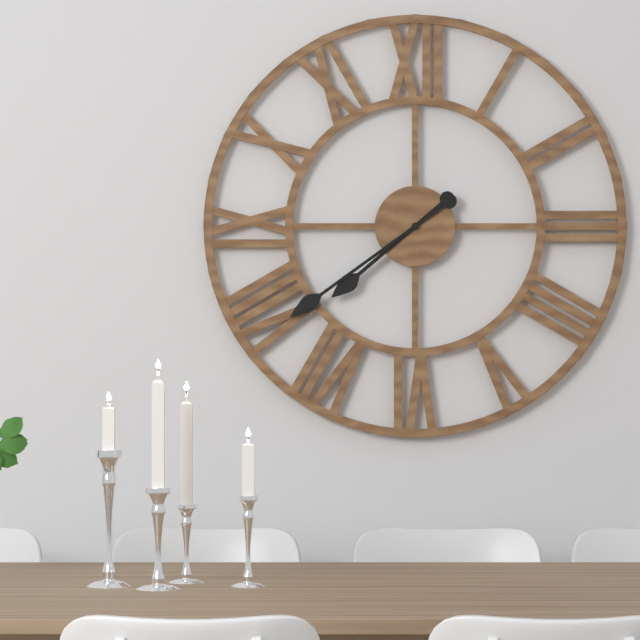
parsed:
7,39
